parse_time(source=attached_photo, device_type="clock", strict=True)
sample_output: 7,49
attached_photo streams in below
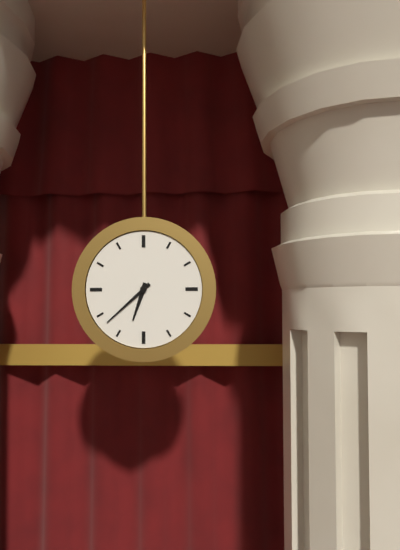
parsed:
6,38
